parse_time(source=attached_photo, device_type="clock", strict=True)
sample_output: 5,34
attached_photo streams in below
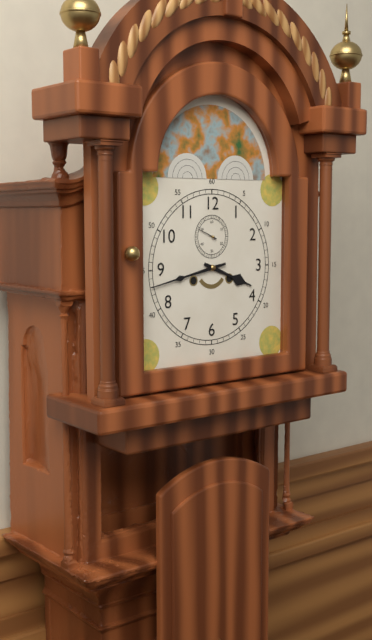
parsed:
3,43
